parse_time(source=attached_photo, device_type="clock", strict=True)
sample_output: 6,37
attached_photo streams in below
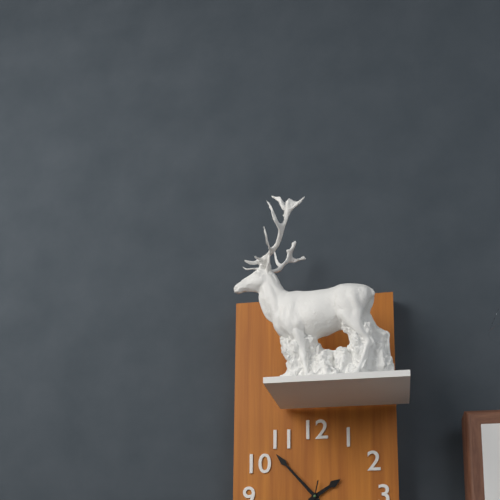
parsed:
1,53
